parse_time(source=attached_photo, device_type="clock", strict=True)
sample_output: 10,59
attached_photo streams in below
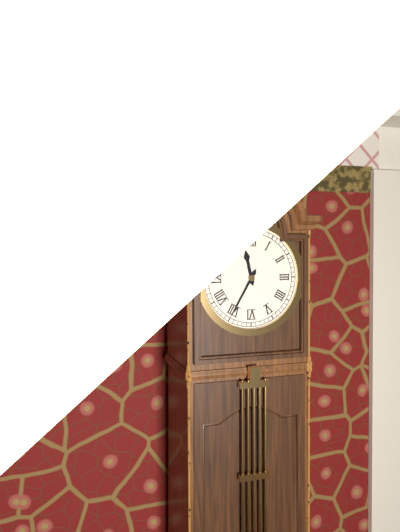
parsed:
11,35
